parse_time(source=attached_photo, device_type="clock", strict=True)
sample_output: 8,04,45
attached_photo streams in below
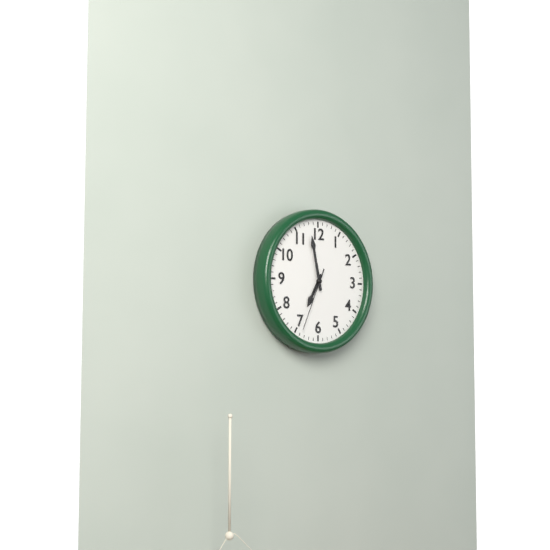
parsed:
6,58,34
